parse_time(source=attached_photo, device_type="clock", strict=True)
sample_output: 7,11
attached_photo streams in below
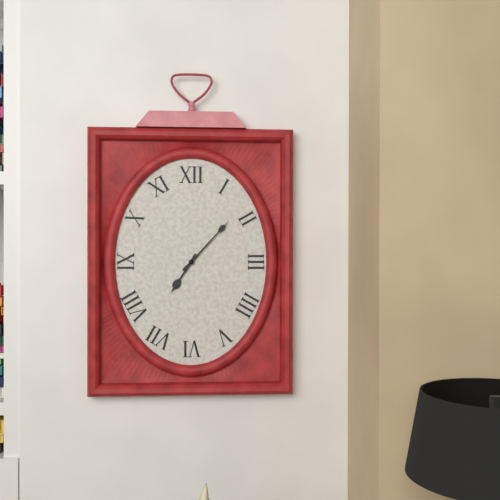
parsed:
7,07
